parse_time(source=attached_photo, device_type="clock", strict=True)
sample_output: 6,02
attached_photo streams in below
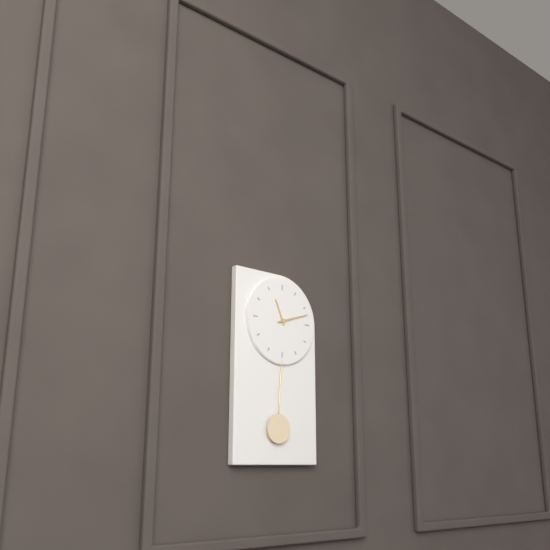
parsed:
11,12
